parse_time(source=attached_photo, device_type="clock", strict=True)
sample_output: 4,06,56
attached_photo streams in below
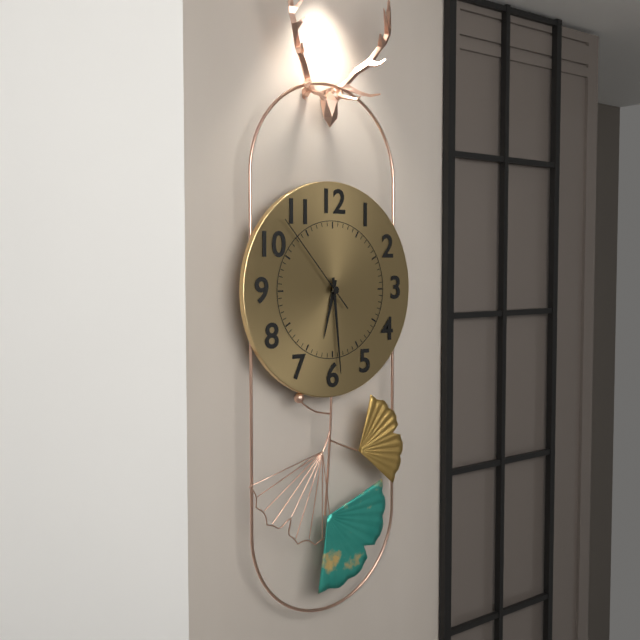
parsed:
6,29,53
